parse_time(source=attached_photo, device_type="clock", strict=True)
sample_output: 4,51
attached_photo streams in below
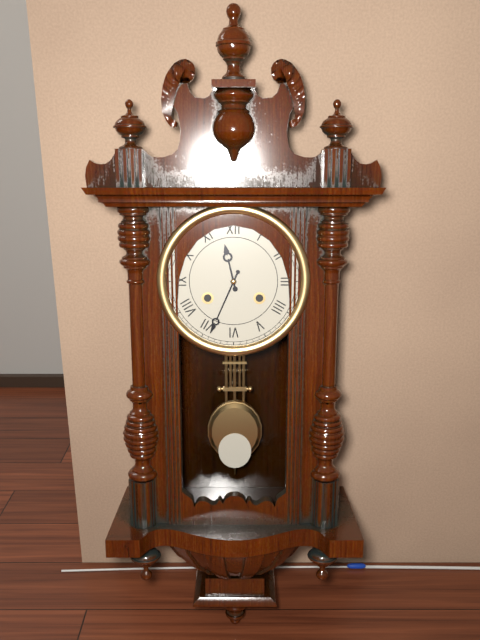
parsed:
11,34
